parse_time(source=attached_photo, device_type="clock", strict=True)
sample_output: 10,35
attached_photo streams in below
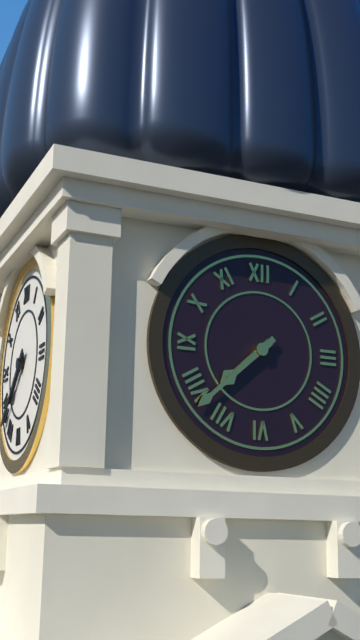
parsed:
7,38
